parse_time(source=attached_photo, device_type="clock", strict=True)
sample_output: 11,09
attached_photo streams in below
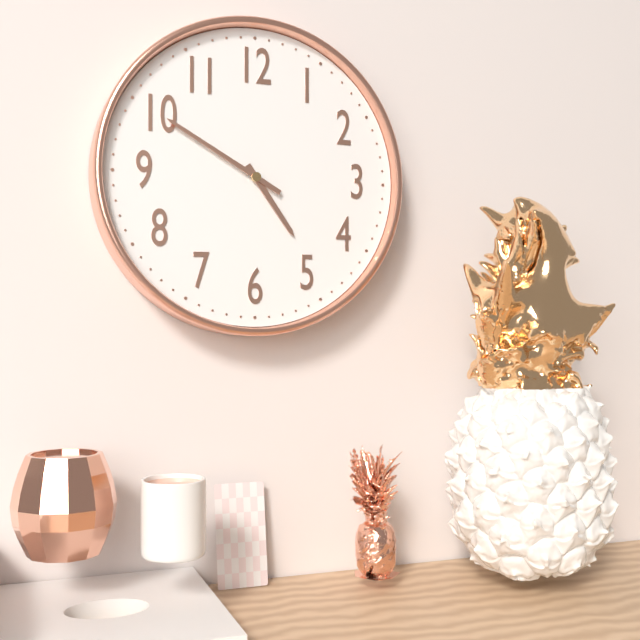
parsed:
4,50
